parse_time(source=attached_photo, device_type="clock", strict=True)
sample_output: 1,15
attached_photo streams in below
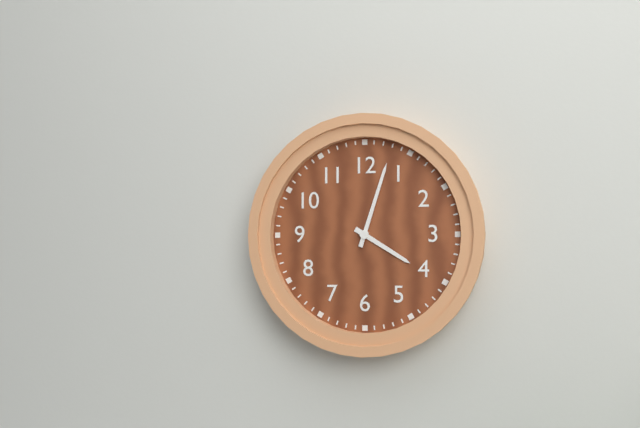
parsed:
4,03
